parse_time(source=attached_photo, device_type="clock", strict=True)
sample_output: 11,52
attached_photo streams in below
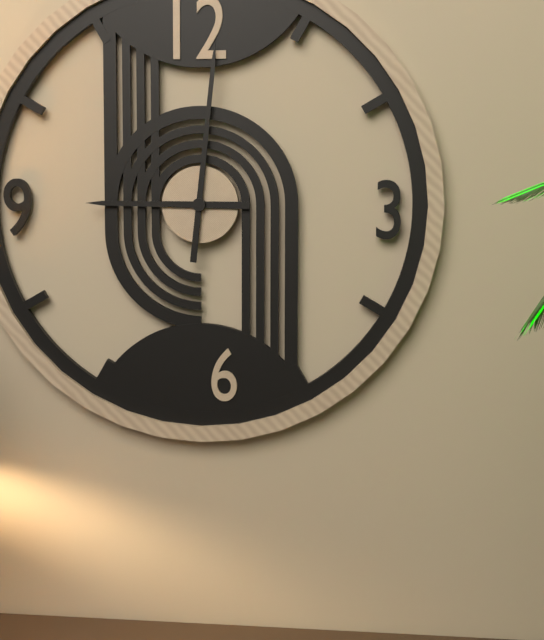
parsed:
9,01
